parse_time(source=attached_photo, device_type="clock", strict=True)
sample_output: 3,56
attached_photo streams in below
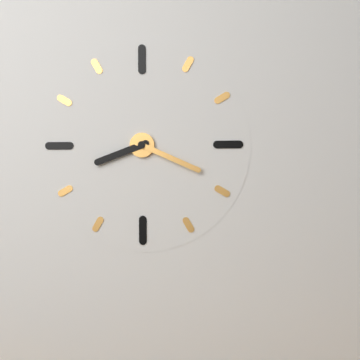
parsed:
8,19
